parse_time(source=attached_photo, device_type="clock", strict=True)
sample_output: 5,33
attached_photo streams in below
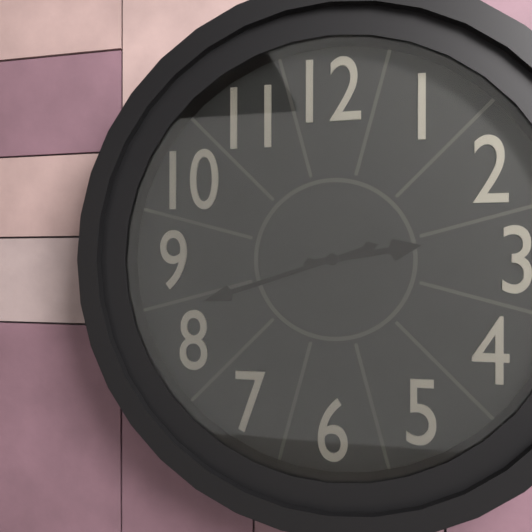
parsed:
2,42
